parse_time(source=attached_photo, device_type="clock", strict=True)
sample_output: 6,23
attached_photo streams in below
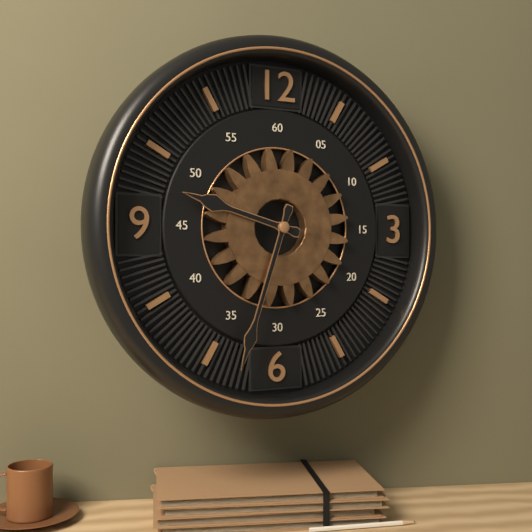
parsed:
9,33
